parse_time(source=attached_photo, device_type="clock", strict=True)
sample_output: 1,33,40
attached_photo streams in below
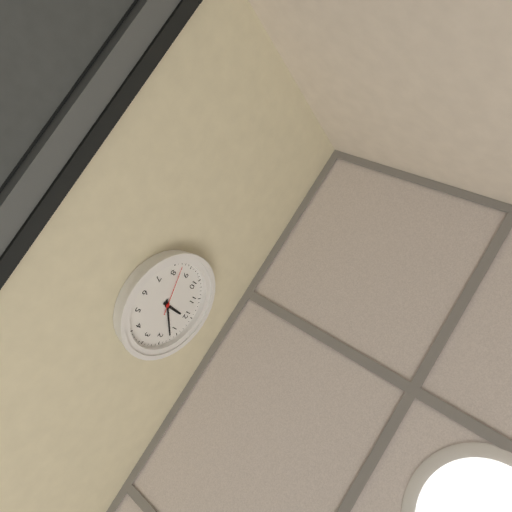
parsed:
12,07,42
